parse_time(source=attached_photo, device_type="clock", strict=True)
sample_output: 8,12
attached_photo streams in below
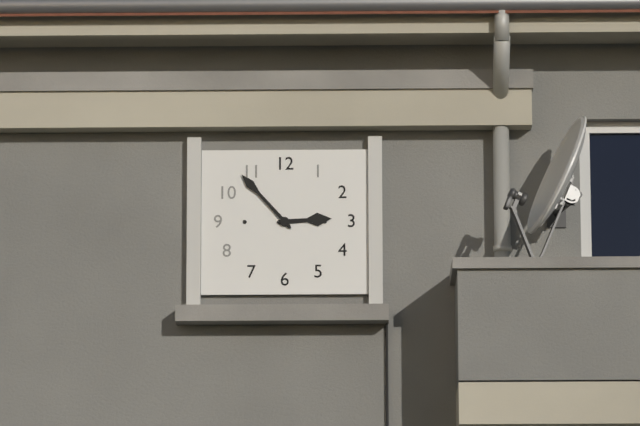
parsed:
2,53
